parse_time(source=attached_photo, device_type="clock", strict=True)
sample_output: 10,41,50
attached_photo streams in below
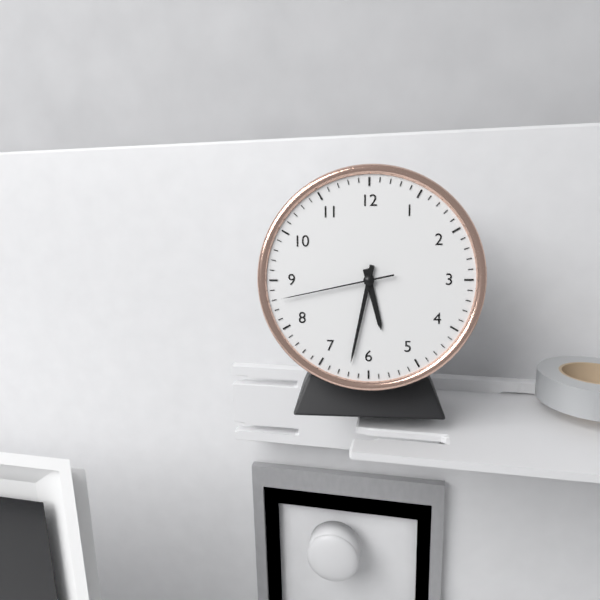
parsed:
5,32,43
